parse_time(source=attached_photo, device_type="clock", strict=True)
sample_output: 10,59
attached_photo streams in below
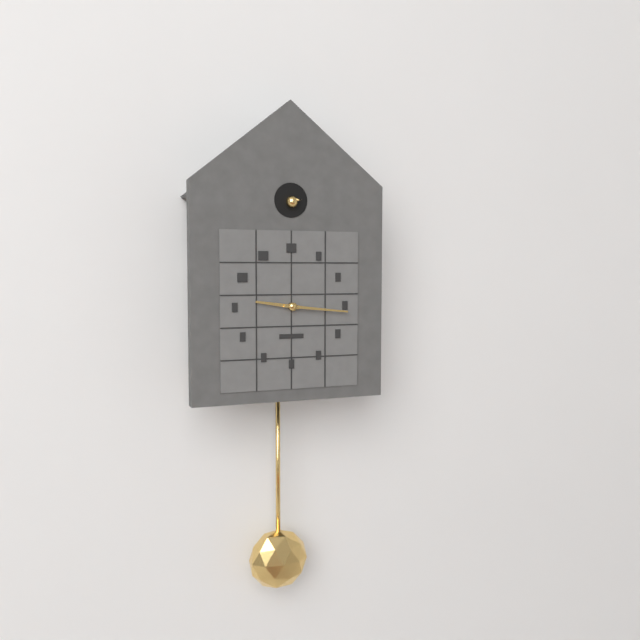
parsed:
9,16
